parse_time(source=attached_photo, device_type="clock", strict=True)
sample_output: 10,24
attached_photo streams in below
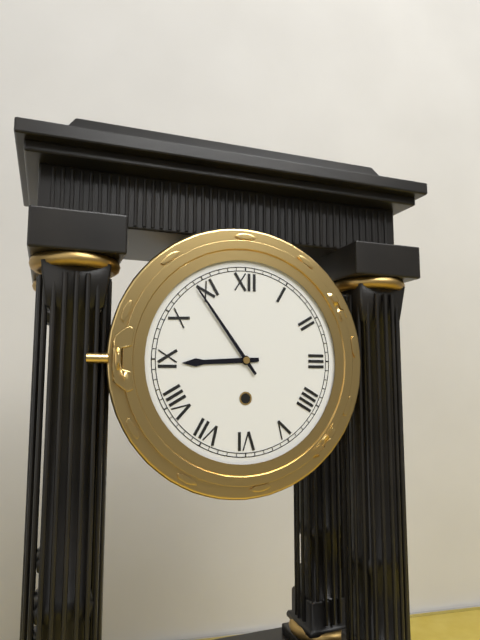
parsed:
8,54
